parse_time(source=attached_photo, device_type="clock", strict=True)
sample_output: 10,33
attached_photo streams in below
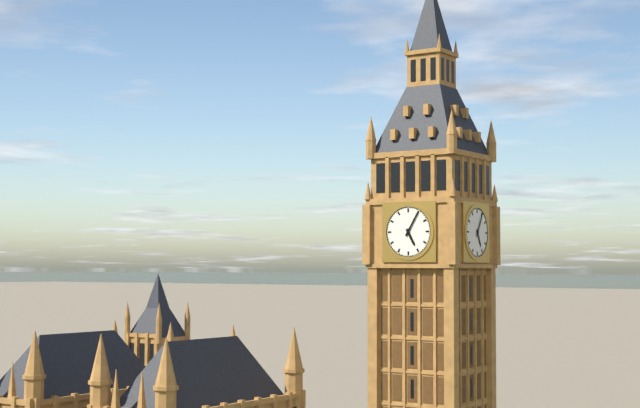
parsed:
5,05
